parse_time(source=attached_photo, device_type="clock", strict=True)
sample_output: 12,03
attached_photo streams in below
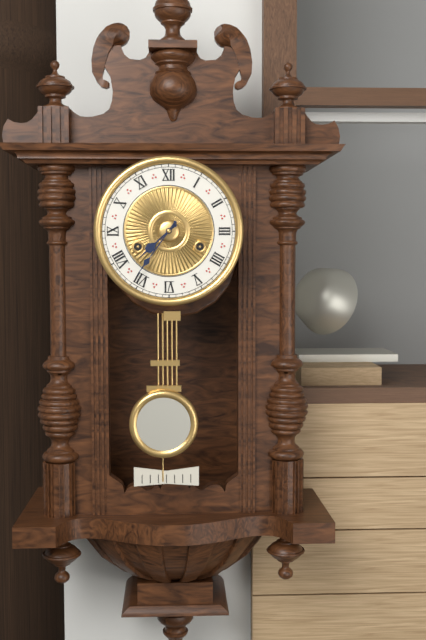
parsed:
7,36
